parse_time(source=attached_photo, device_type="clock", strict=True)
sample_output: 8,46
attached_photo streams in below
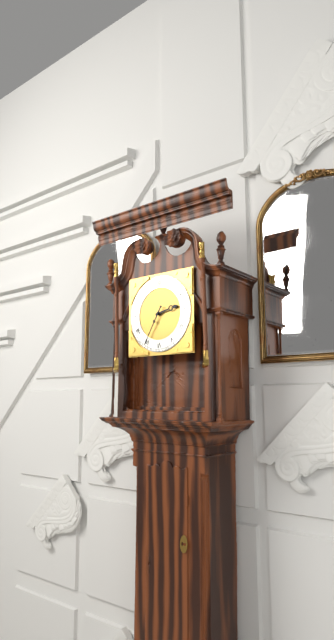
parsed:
2,35
